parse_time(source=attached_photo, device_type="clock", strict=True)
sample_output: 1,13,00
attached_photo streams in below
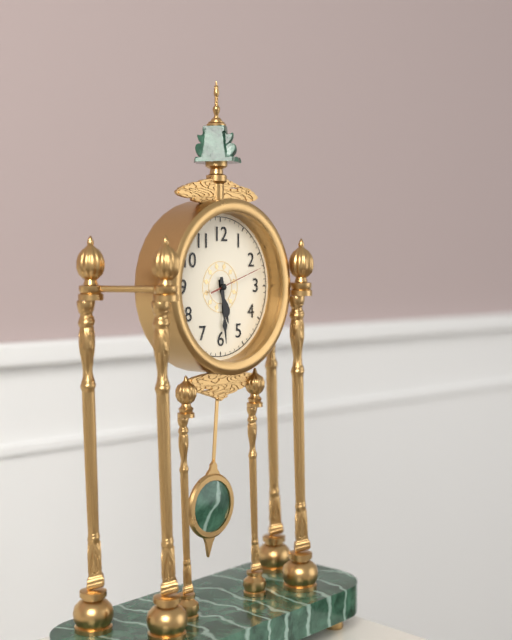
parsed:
5,29,12
